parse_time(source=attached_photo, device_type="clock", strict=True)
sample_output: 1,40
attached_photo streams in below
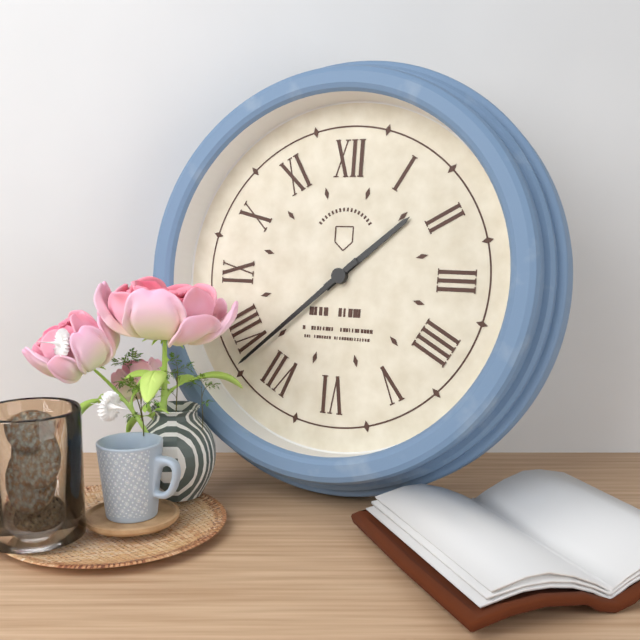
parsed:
1,38
